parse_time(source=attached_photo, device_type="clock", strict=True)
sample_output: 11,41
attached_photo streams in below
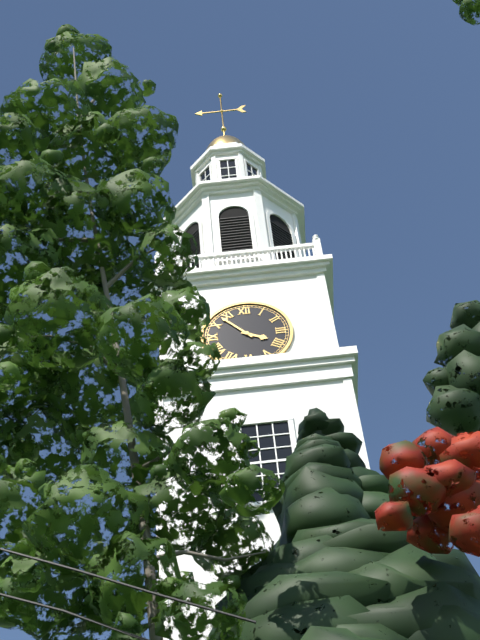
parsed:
3,53
